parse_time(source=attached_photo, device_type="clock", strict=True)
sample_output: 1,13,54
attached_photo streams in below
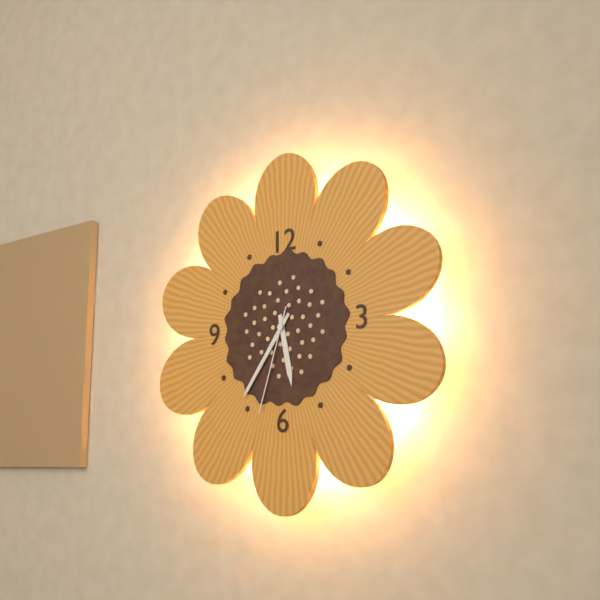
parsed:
5,36,33
